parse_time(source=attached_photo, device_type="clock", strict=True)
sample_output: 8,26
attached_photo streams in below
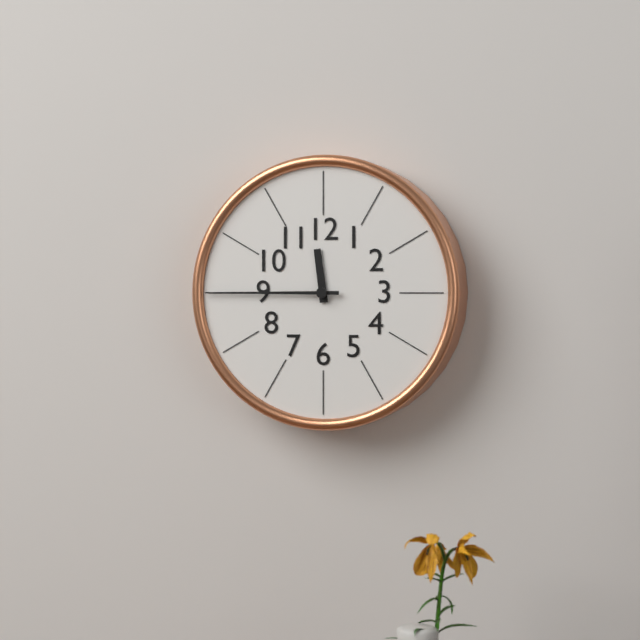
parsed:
11,45
